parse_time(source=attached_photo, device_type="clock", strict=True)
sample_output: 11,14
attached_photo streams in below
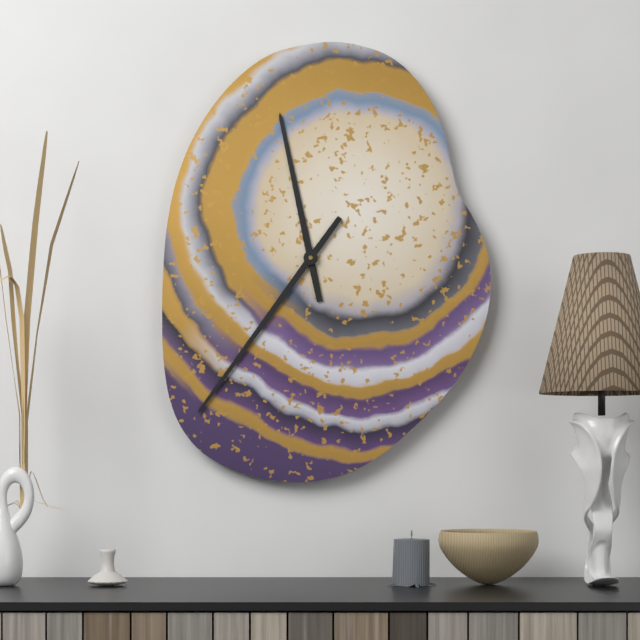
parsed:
11,36
